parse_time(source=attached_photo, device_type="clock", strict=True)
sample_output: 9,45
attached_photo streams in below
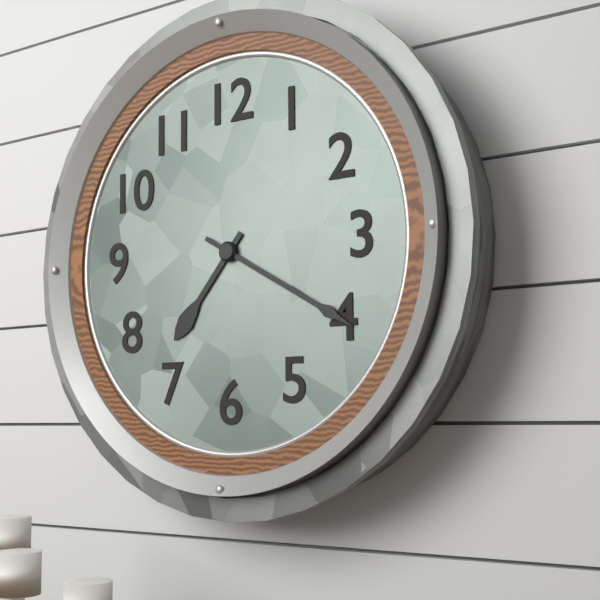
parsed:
7,20
